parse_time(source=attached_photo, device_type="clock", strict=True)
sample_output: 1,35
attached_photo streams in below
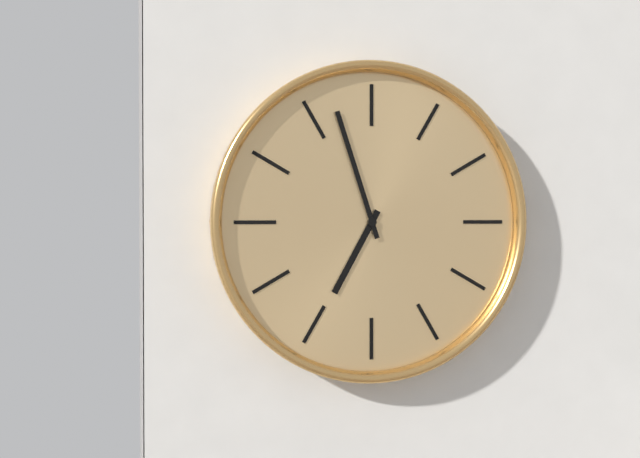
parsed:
6,57
